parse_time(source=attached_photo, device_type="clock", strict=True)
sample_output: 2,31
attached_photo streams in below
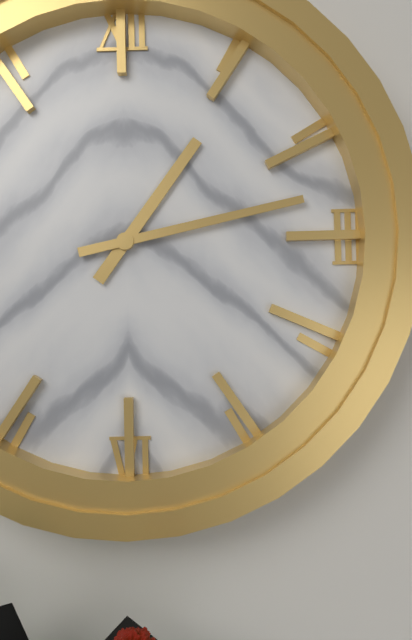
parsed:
1,13
